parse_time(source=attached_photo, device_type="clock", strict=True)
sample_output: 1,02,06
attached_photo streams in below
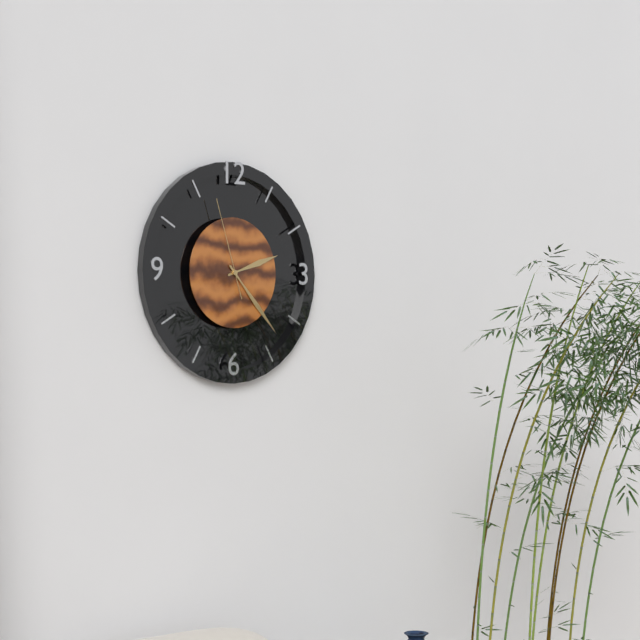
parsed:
2,23,57
